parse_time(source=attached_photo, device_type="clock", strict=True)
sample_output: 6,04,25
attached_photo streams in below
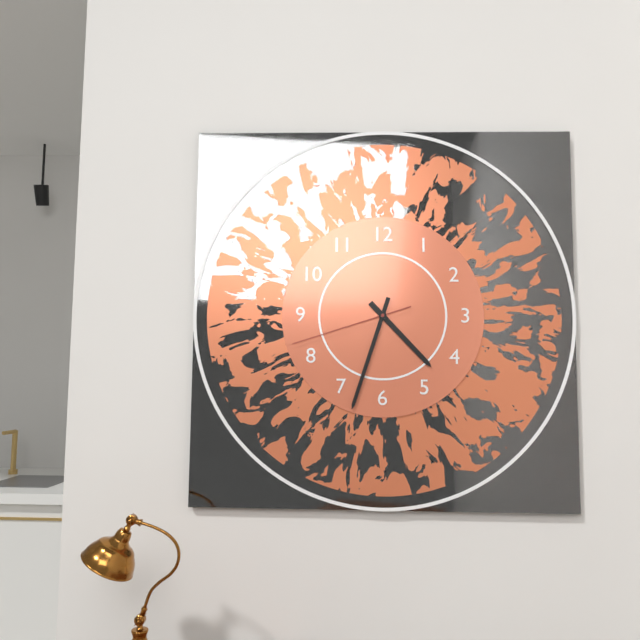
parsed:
4,33,42
